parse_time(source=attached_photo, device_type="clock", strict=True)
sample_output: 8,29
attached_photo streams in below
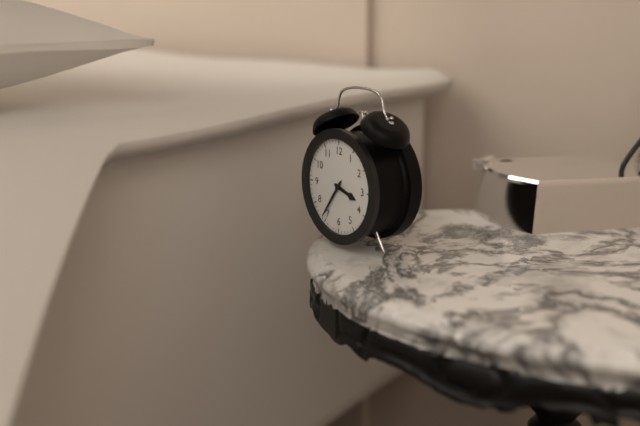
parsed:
3,36
